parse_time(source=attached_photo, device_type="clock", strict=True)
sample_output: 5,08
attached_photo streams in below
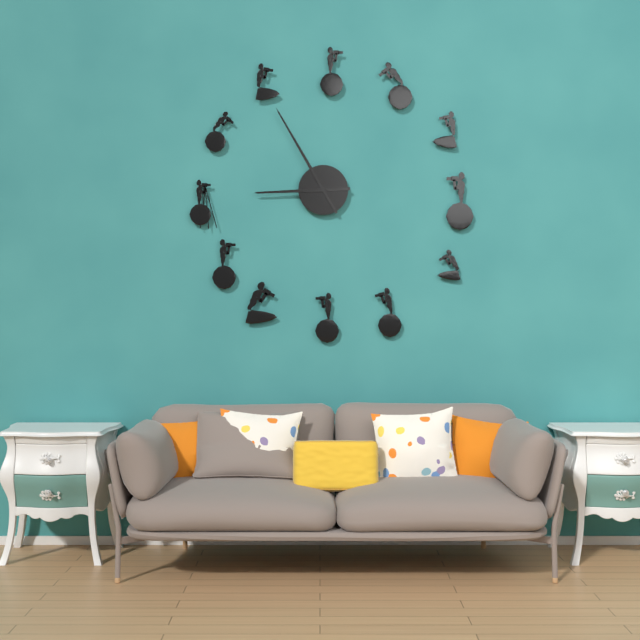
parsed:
8,55
